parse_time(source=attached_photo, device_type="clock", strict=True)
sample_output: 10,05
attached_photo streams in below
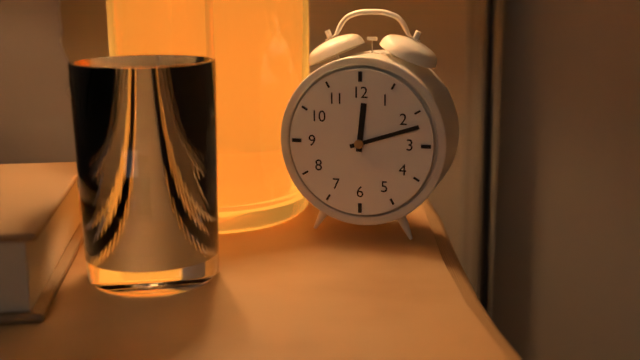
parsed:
12,12
